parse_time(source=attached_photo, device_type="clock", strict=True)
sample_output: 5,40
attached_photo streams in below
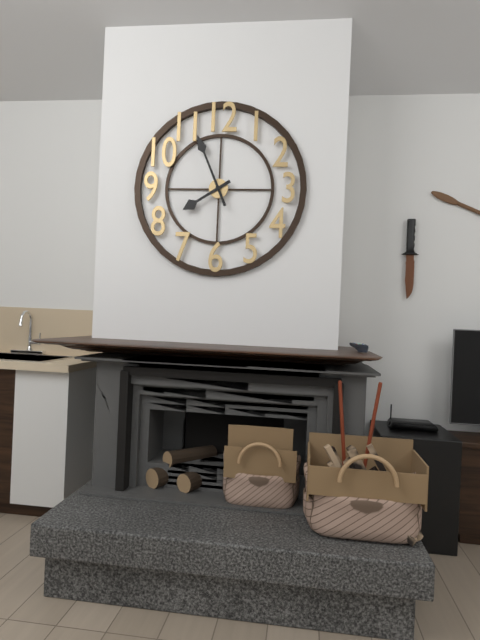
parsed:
7,56
